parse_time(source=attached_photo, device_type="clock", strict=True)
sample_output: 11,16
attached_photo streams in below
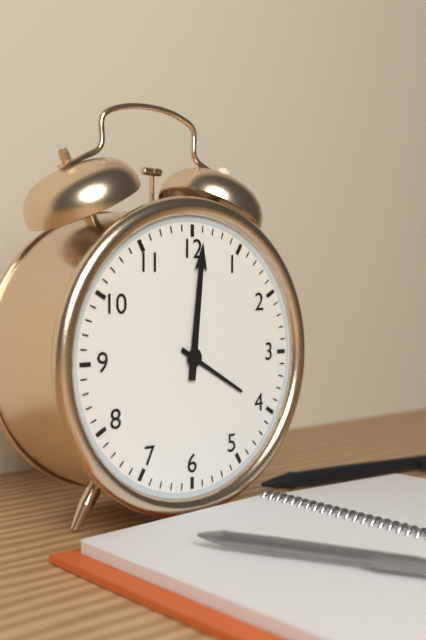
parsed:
4,01
